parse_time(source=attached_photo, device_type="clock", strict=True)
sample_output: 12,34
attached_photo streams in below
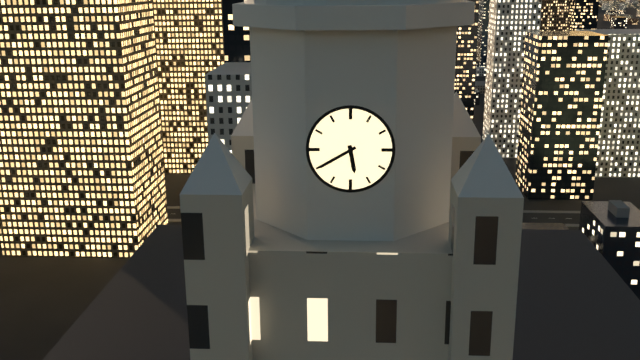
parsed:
5,40
